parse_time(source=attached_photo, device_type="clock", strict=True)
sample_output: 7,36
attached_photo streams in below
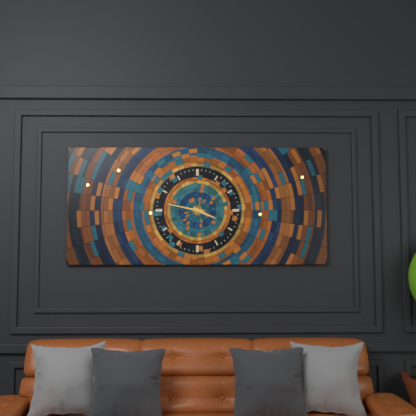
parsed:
3,47
